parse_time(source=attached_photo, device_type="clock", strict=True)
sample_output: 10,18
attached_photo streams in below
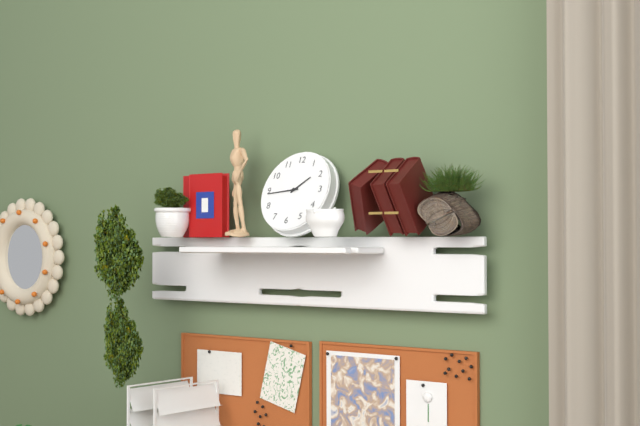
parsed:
1,44
